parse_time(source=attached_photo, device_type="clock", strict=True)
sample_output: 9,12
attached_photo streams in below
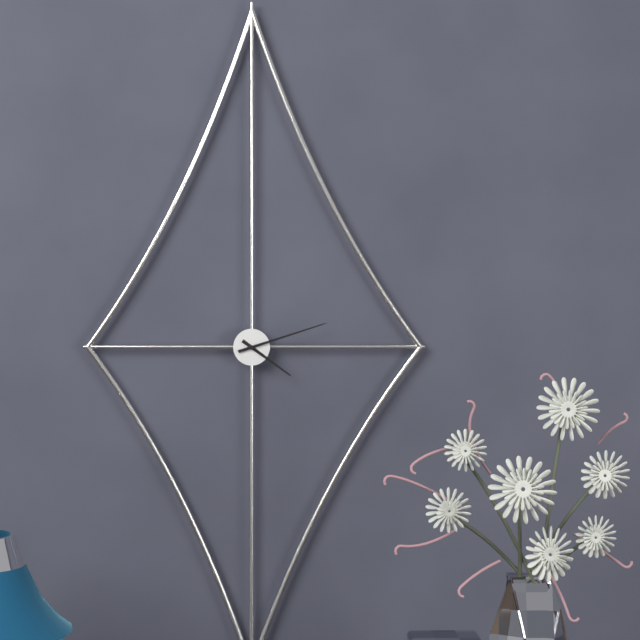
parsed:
4,12
